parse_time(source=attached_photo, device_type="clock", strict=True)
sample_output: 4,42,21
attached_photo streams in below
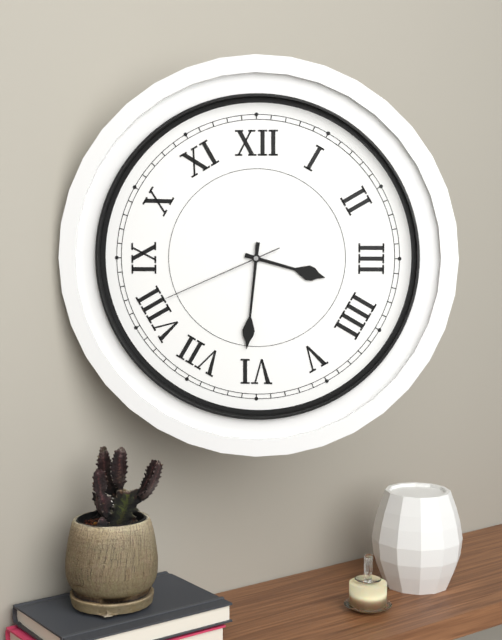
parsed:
3,31,41
